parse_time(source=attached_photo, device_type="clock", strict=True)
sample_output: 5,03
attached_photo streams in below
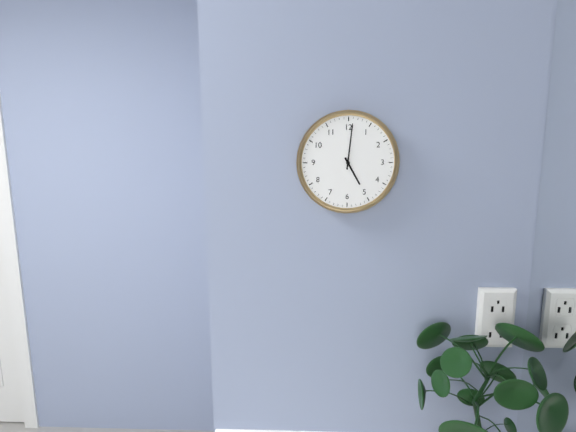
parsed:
5,01
